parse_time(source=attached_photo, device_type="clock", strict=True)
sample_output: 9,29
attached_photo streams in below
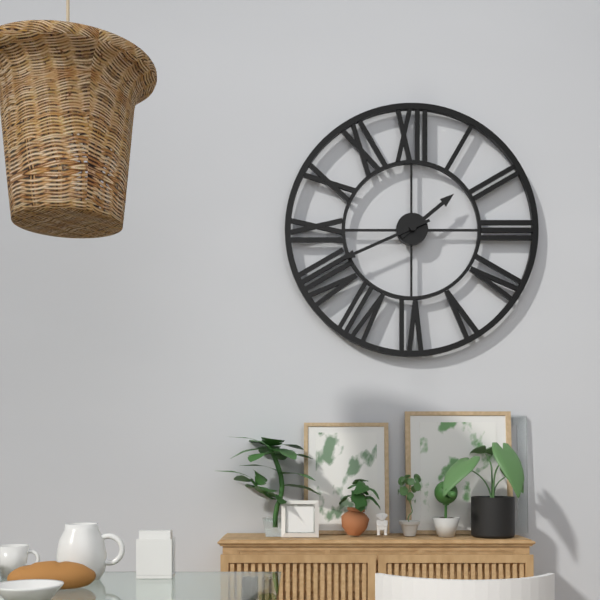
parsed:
1,41
